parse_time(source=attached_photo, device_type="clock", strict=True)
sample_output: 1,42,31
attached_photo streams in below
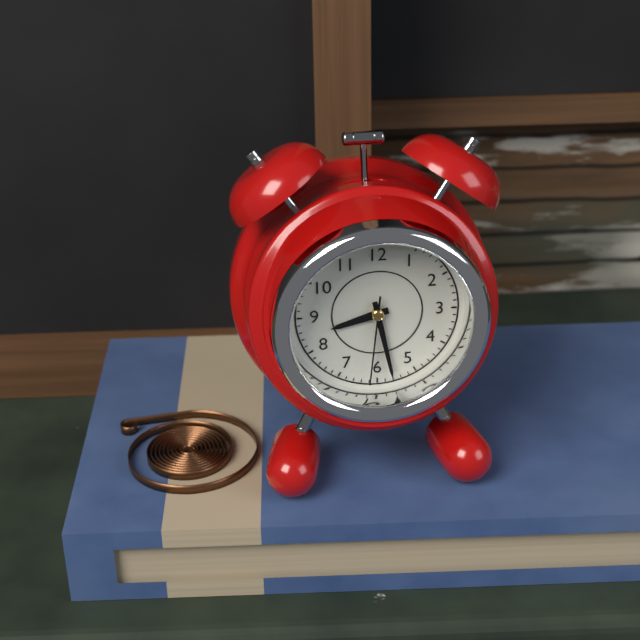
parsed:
8,28,31
